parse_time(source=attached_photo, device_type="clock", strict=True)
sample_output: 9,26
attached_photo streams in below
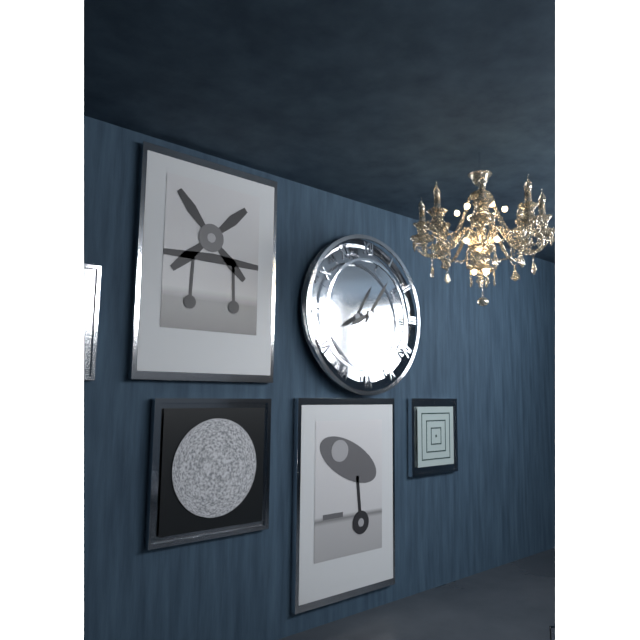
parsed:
8,06
